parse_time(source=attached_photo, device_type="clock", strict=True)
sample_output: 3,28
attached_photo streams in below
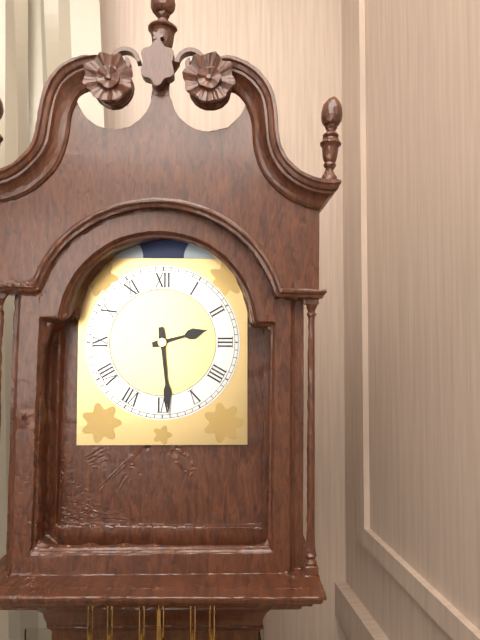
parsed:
2,29
